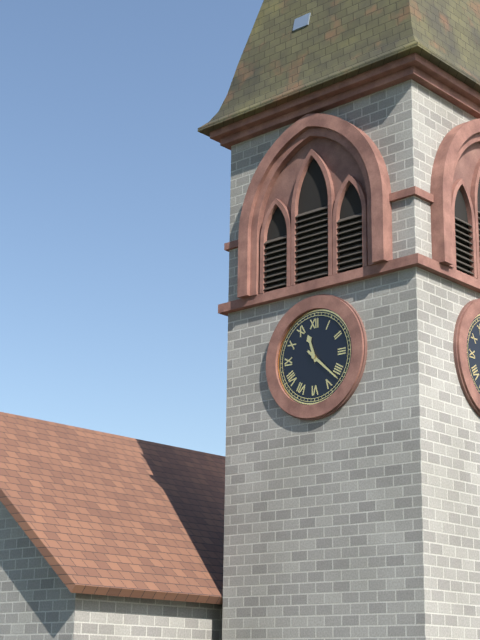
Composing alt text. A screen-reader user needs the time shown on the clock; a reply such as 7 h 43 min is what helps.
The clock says 11 h 22 min
